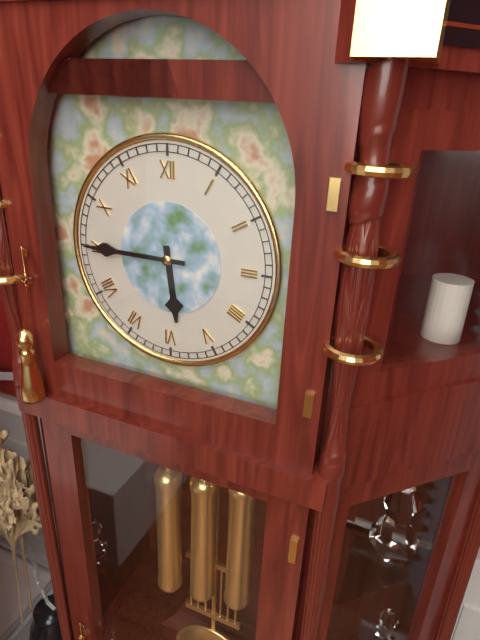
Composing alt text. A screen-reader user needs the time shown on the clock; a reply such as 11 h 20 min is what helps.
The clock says 5 h 45 min
